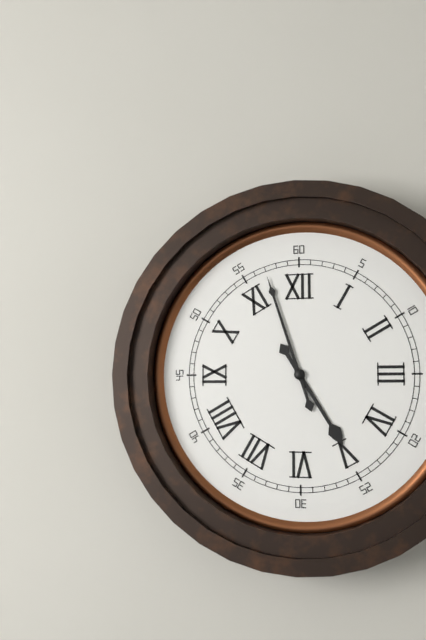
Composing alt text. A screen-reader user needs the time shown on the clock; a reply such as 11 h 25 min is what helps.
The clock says 4 h 57 min
